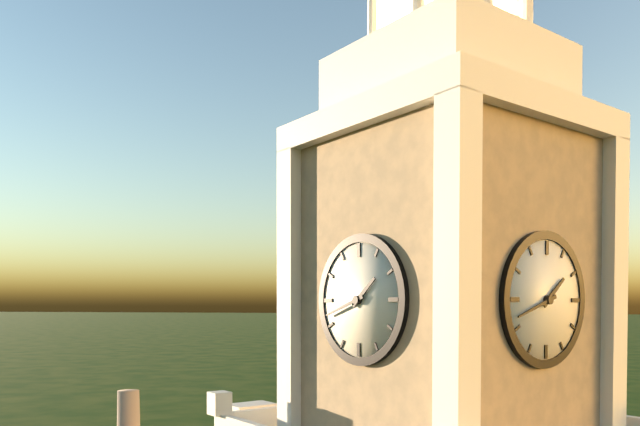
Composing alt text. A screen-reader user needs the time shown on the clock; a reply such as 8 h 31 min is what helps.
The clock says 1 h 42 min
